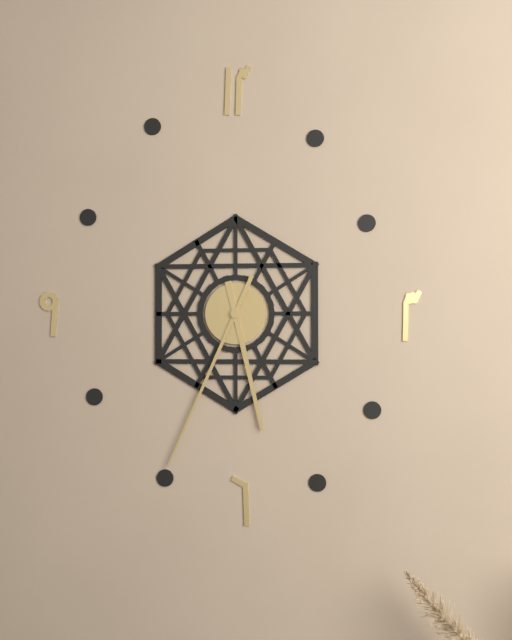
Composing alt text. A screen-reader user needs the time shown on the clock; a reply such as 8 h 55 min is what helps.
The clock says 5 h 34 min
